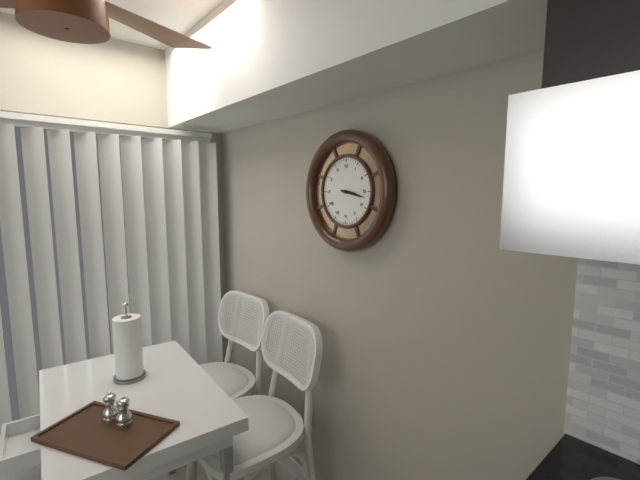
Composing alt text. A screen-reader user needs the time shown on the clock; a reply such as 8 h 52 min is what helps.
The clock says 3 h 17 min
